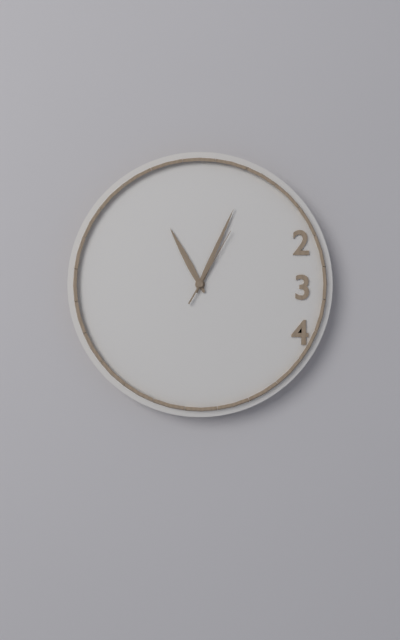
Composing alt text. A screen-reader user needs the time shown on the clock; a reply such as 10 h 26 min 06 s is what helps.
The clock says 11 h 04 min 05 s
